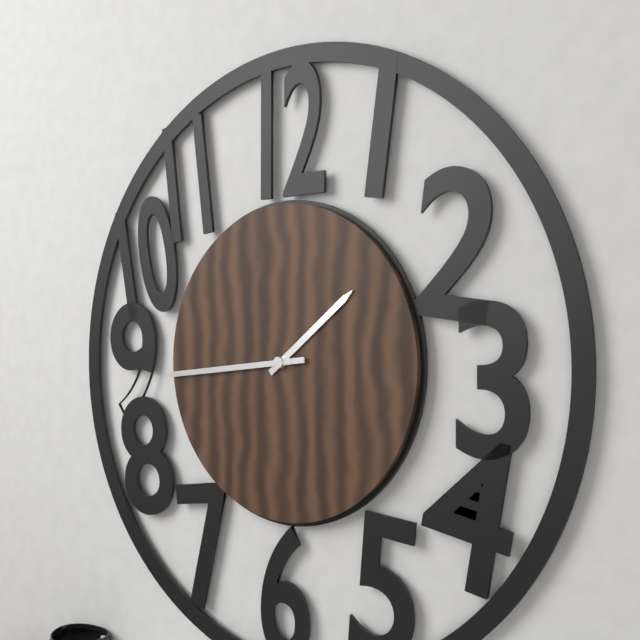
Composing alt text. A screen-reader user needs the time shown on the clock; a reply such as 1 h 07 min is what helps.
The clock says 1 h 44 min
